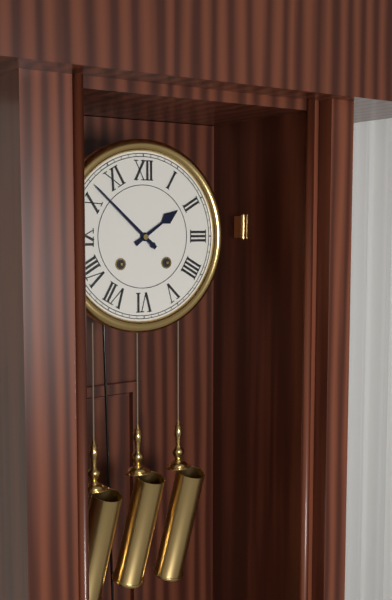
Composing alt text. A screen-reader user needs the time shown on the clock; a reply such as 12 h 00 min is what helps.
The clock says 1 h 52 min
